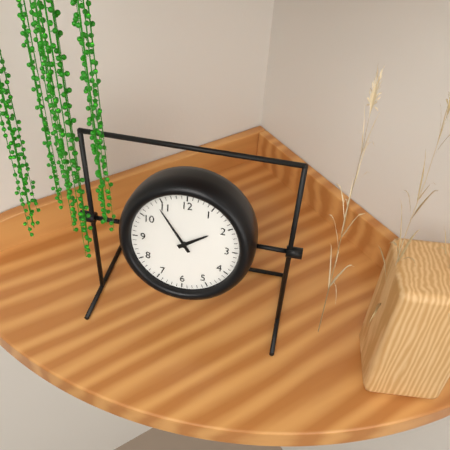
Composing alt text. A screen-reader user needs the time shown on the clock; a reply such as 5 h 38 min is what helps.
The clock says 1 h 54 min
